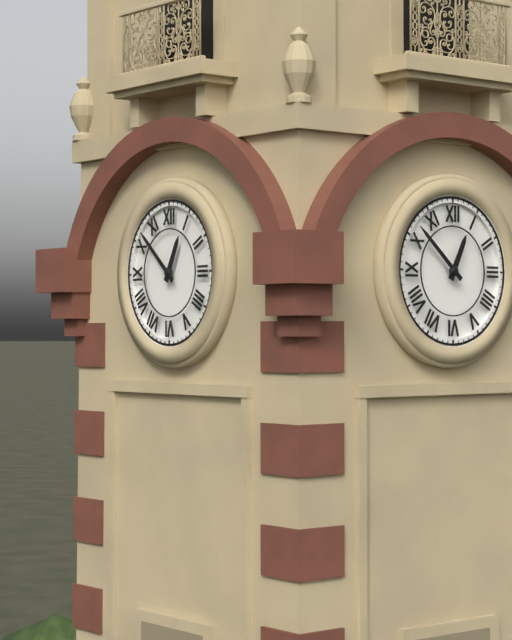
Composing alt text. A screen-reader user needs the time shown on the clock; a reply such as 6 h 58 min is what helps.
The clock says 12 h 52 min
